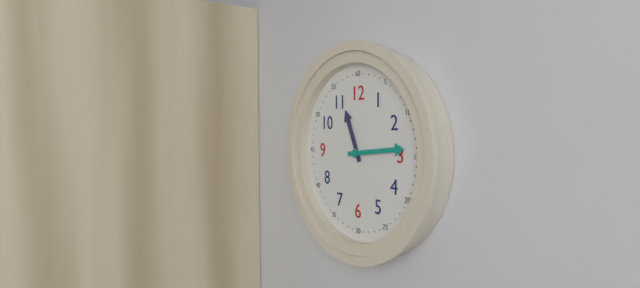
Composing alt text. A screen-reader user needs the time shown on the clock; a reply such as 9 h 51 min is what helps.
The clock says 11 h 14 min
